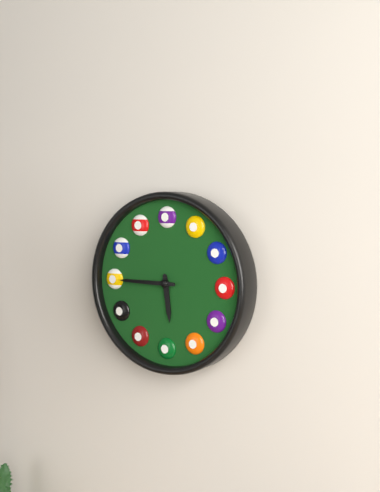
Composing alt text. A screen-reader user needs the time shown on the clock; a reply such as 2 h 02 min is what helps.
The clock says 5 h 45 min
